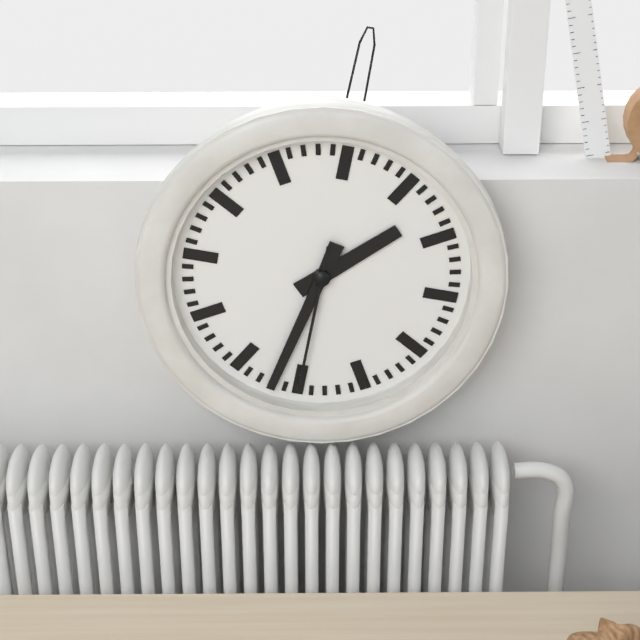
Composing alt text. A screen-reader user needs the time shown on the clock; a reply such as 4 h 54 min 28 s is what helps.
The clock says 1 h 32 min 30 s
